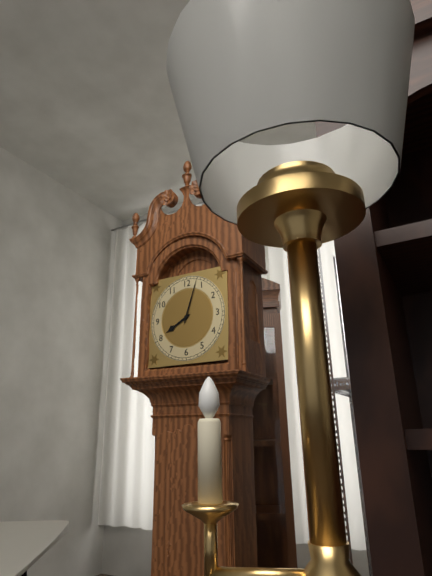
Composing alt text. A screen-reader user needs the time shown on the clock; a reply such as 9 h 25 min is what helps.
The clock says 8 h 03 min
